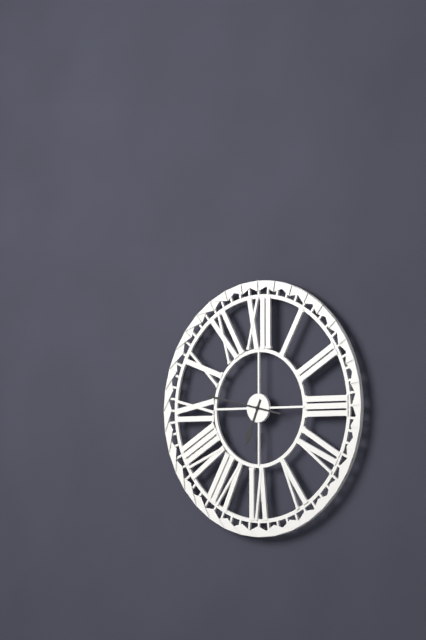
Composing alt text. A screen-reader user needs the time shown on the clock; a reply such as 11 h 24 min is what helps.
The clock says 6 h 47 min
